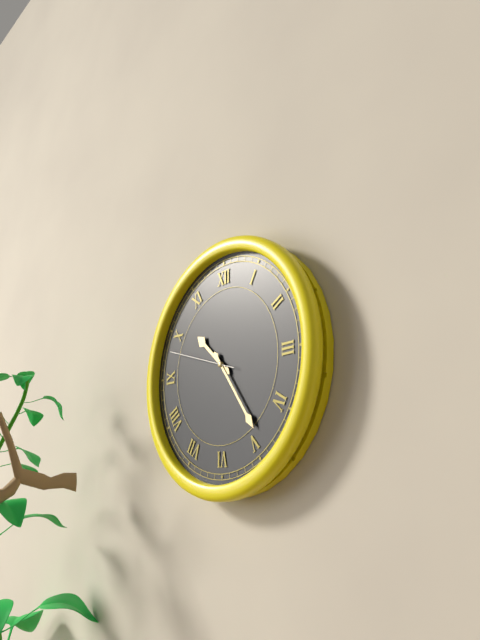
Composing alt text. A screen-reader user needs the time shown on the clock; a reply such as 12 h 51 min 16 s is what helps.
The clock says 10 h 24 min 48 s
